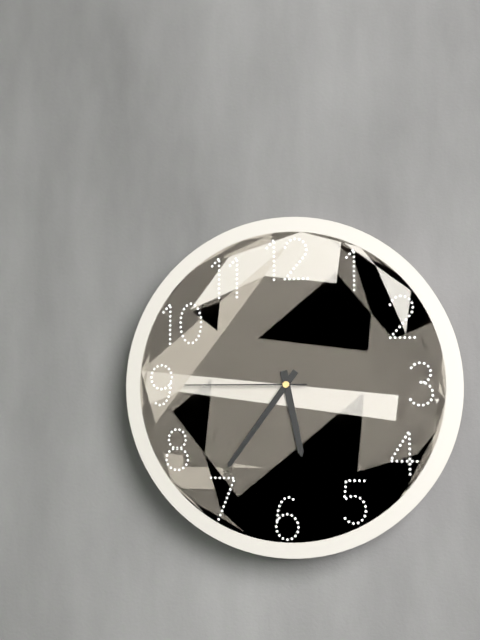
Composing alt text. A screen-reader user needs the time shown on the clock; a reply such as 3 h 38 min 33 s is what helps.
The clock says 5 h 36 min 45 s
